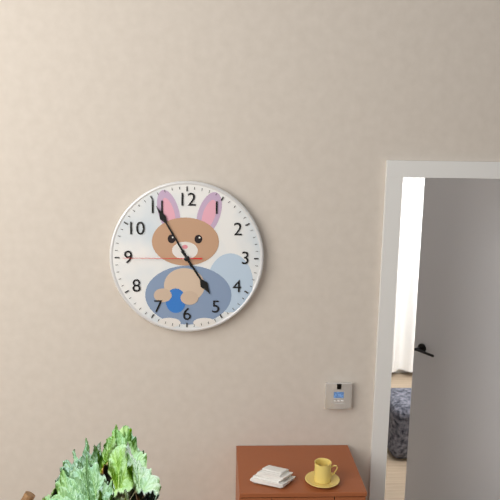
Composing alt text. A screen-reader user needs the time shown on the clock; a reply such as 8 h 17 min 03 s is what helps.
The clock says 4 h 55 min 45 s
